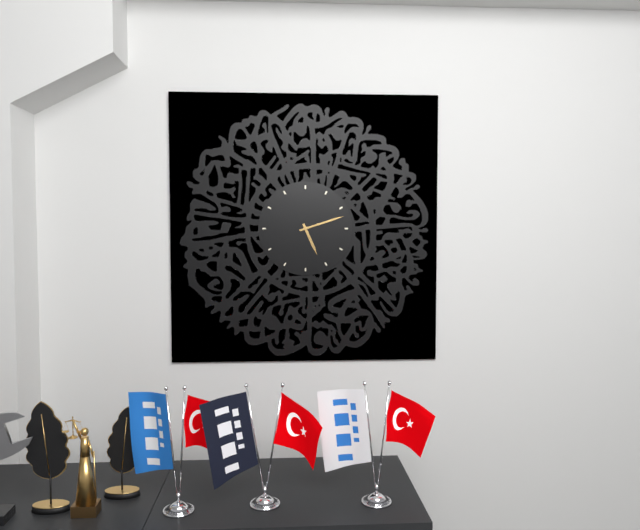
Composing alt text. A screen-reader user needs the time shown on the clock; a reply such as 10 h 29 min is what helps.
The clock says 5 h 12 min
